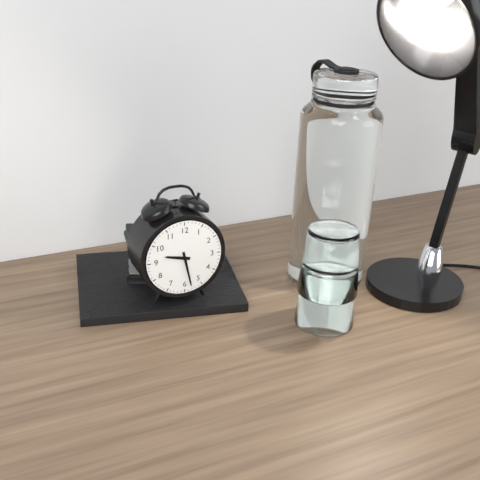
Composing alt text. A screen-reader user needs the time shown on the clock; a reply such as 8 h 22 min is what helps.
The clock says 9 h 28 min
